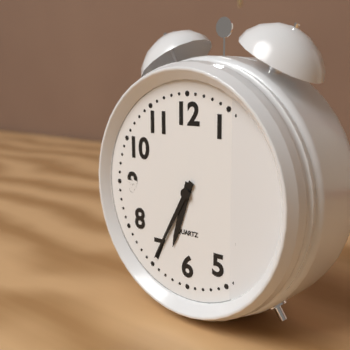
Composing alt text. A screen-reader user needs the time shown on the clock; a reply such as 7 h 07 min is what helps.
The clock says 6 h 35 min
